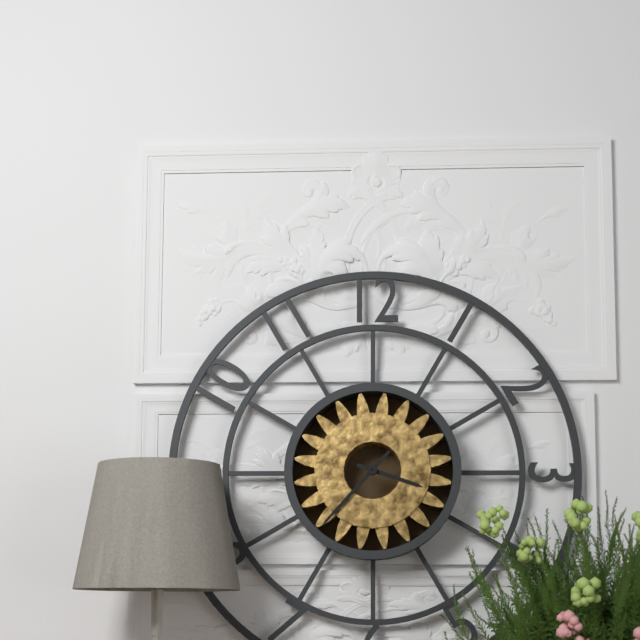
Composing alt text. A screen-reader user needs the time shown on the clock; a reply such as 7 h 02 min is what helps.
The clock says 3 h 37 min
